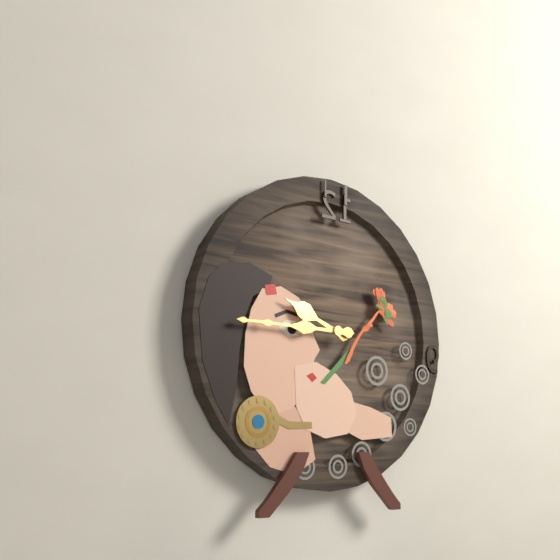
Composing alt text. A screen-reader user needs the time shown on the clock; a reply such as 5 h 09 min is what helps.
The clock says 9 h 45 min
